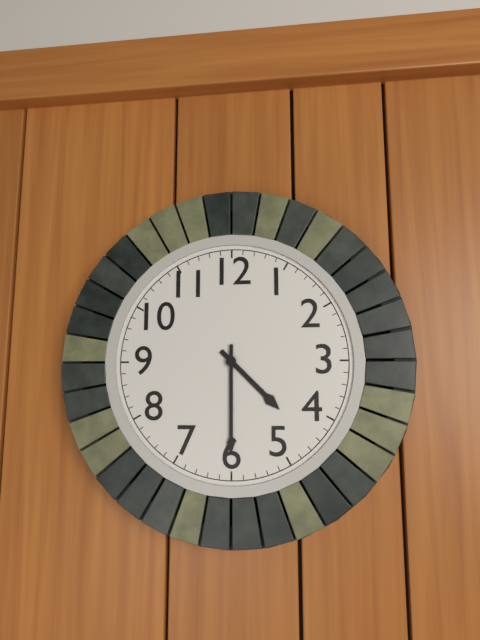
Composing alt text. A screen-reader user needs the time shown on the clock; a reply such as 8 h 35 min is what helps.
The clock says 4 h 30 min
